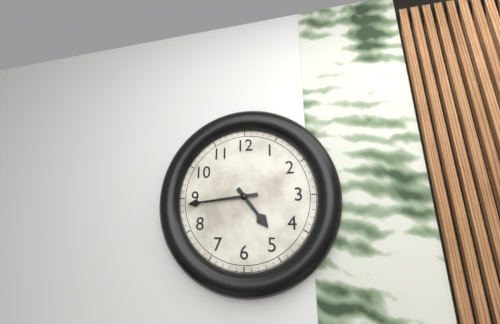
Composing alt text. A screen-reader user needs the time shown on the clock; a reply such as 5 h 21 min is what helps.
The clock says 4 h 44 min
